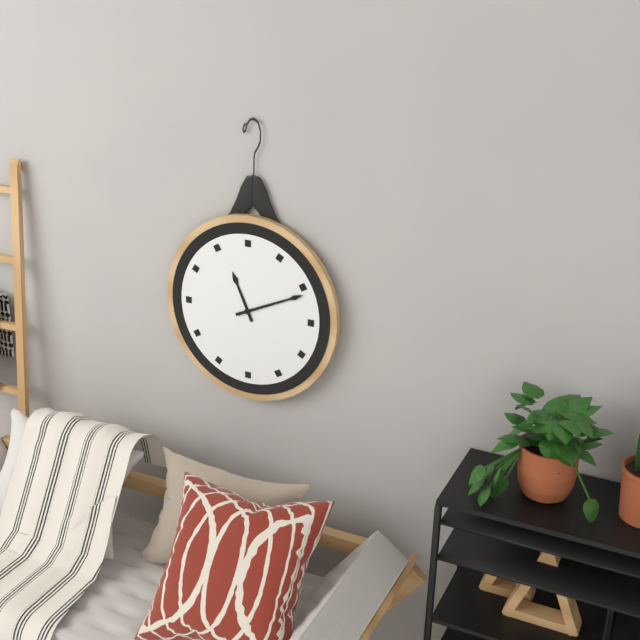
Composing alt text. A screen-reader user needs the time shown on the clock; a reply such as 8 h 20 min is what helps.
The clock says 11 h 11 min
